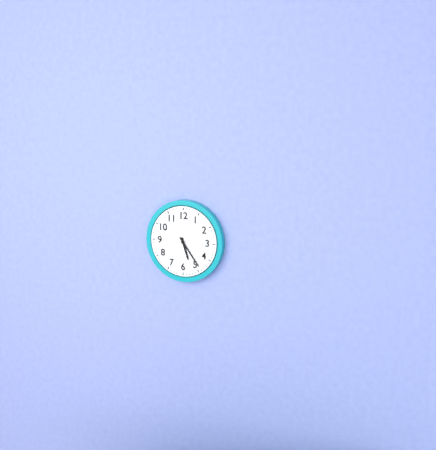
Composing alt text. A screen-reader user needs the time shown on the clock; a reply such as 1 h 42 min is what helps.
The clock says 5 h 24 min
